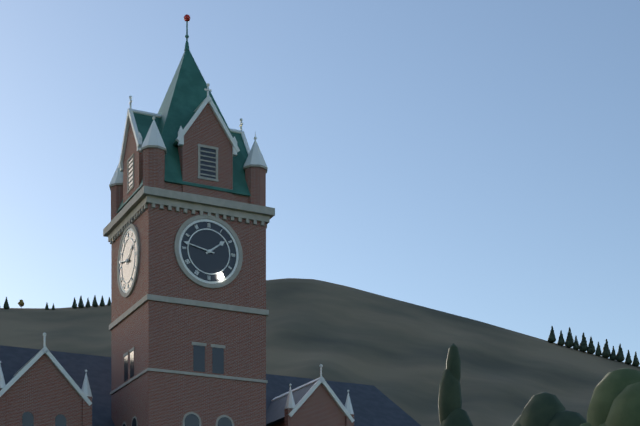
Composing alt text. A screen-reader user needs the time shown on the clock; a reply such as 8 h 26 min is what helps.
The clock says 1 h 47 min
